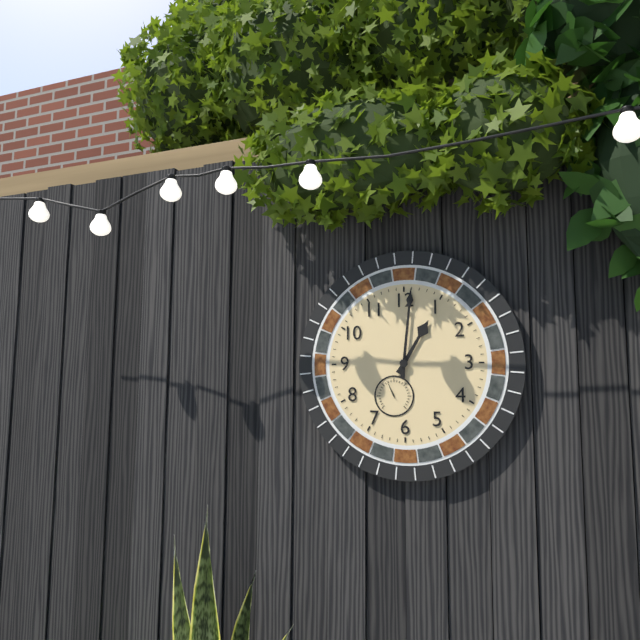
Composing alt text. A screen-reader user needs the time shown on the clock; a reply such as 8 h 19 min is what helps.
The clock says 1 h 01 min
